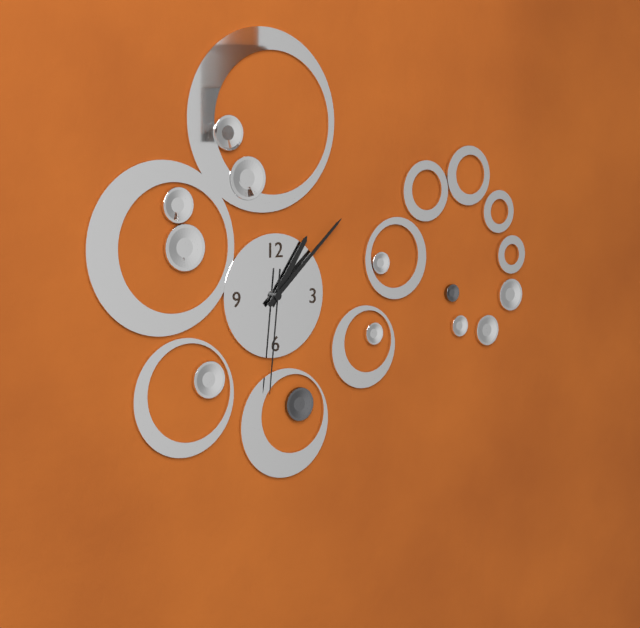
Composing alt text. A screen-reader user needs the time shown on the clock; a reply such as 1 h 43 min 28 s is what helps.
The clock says 1 h 08 min 31 s
